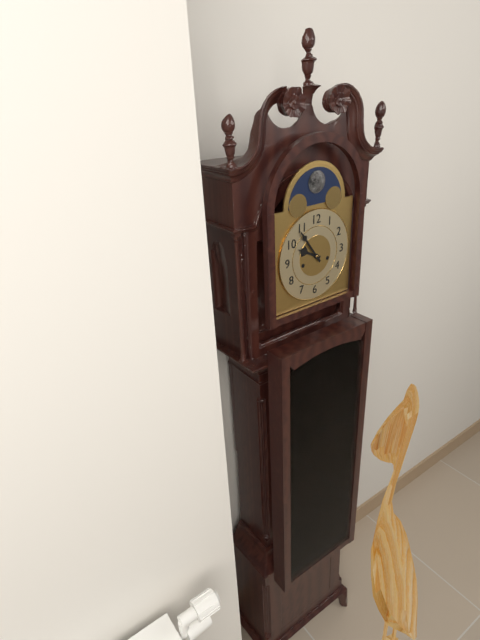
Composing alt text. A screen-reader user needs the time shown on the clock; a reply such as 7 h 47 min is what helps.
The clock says 9 h 54 min
